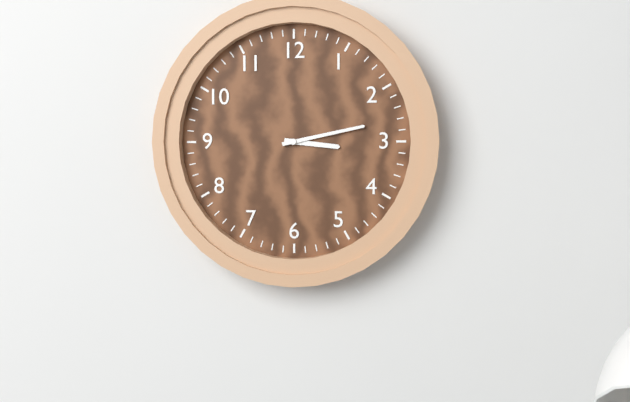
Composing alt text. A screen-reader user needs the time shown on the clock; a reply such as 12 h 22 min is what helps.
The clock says 3 h 13 min
